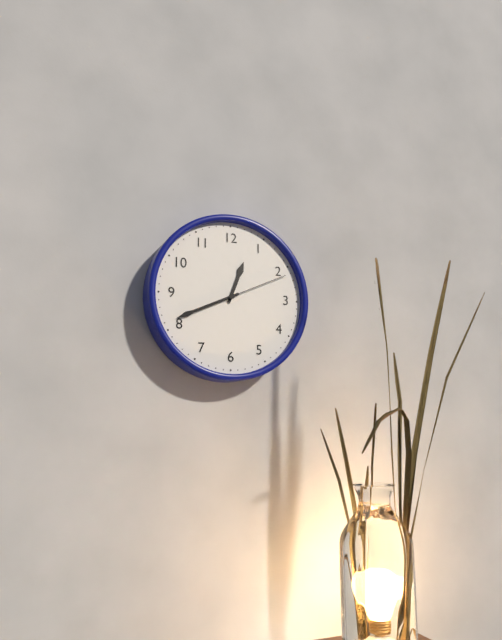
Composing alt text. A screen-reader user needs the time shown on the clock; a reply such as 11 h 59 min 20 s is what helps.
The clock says 12 h 41 min 11 s
